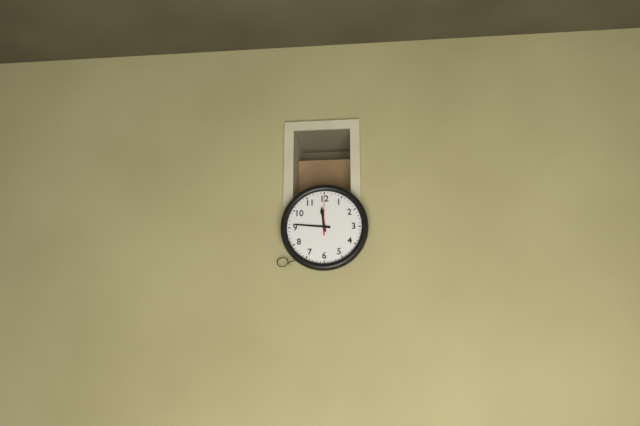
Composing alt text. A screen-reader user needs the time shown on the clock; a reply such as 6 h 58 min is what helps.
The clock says 11 h 46 min
